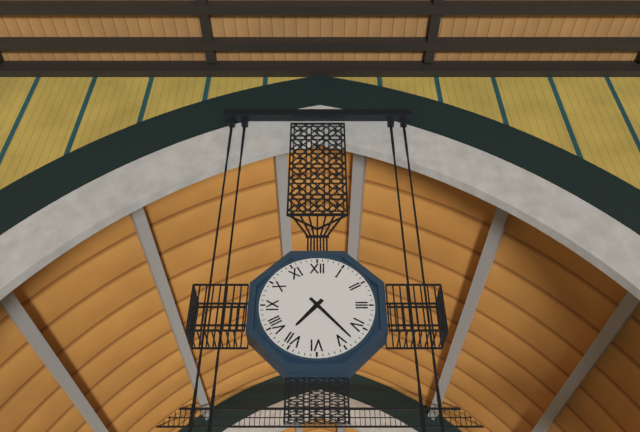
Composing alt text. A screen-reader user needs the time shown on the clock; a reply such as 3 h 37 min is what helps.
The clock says 7 h 23 min
